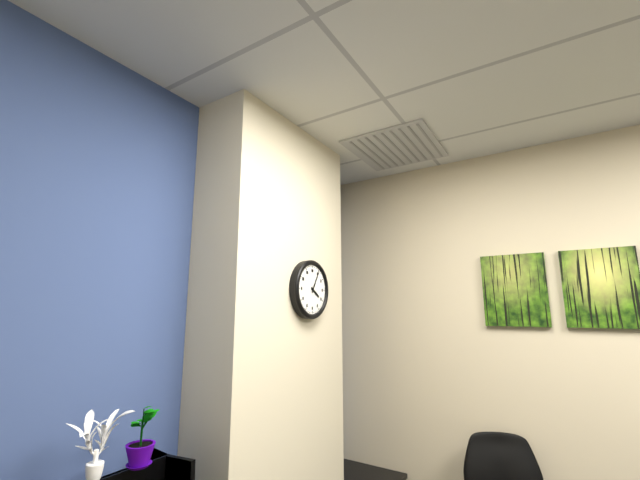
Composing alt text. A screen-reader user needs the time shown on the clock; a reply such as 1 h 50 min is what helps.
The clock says 4 h 05 min
